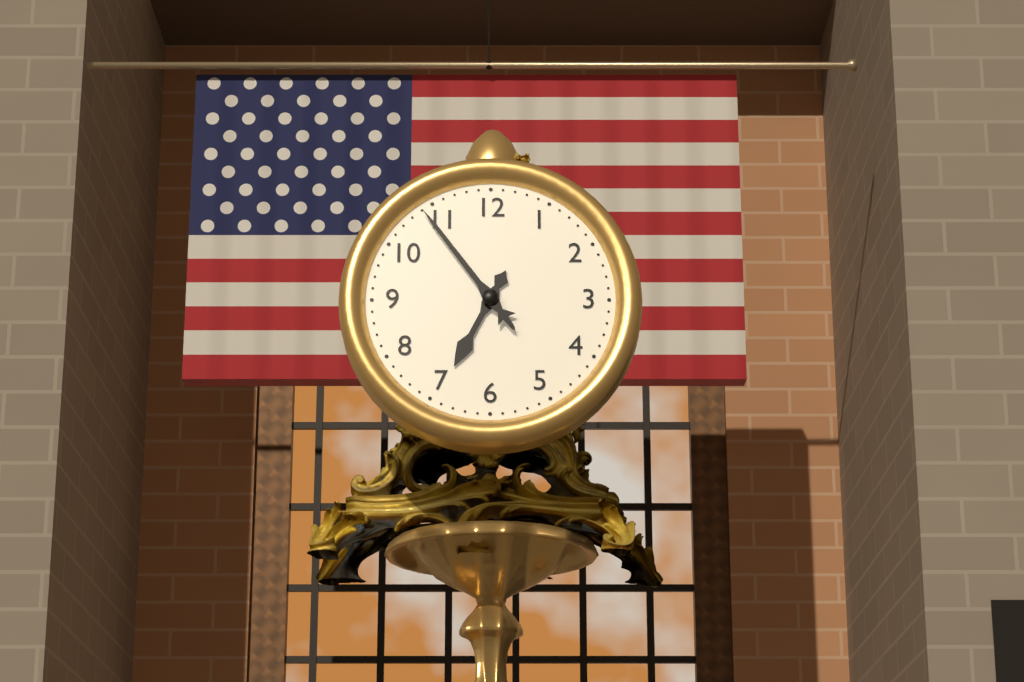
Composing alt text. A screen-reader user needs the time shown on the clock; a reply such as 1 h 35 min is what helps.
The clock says 6 h 54 min
